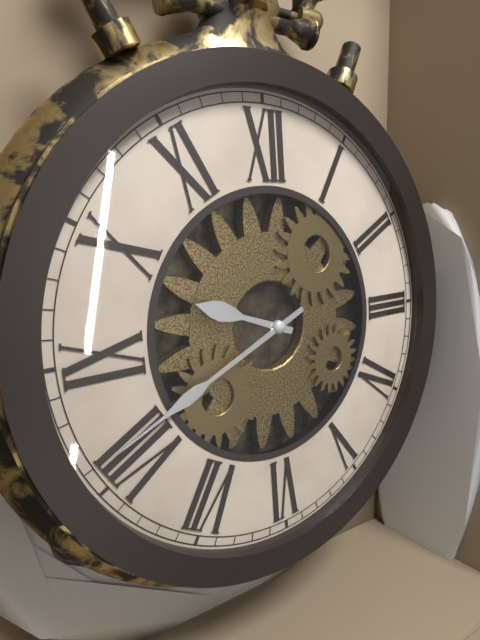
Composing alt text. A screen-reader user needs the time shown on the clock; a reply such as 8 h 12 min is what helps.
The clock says 9 h 41 min
